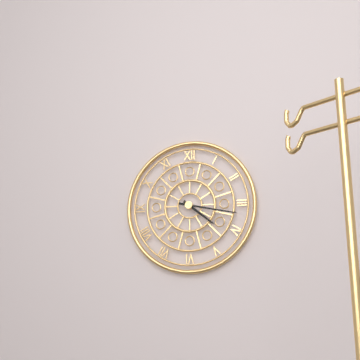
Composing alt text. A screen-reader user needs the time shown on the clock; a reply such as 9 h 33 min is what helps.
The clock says 4 h 17 min
